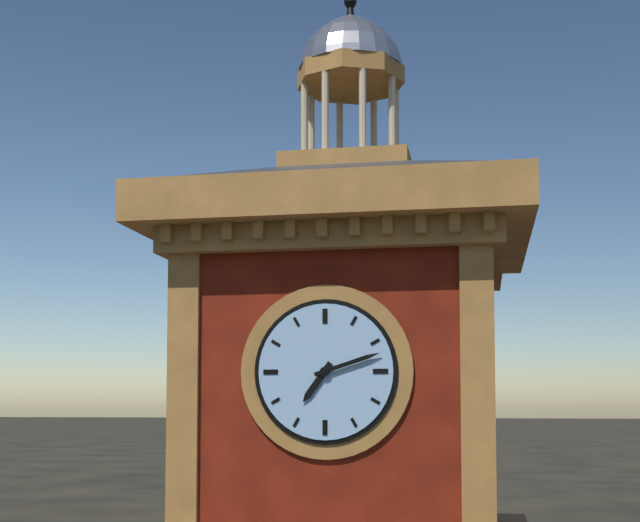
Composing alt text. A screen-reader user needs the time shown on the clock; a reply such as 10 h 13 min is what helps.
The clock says 7 h 12 min
